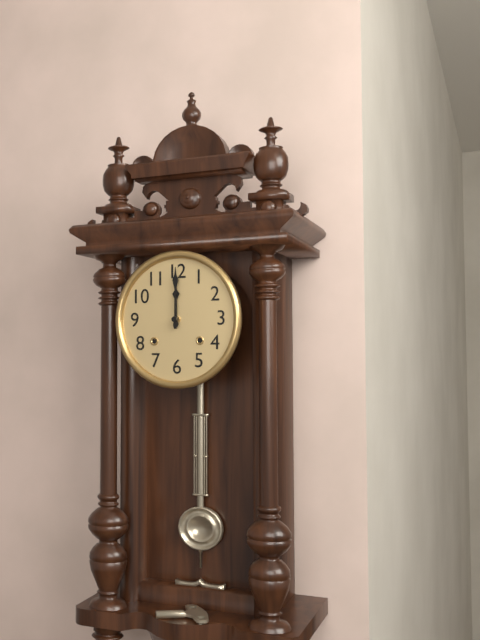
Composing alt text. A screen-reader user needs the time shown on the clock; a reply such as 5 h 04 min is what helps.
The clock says 12 h 00 min
